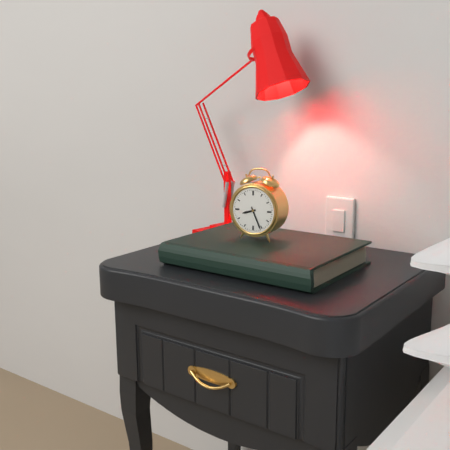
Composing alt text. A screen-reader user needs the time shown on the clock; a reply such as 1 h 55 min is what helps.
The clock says 8 h 26 min
